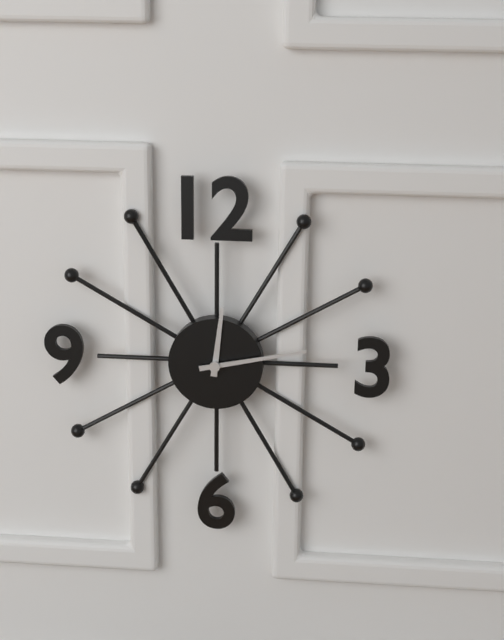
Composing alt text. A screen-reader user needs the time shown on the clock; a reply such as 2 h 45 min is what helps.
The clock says 12 h 13 min
